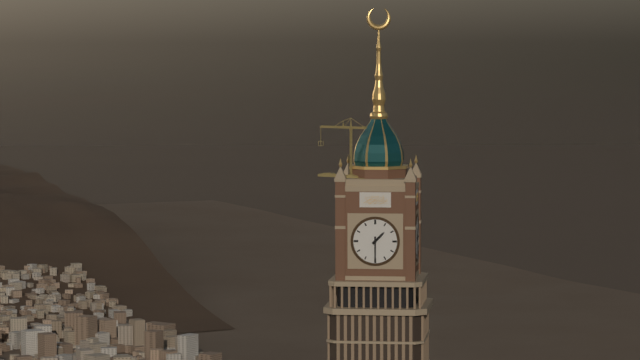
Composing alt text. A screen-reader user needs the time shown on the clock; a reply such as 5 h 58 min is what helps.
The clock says 1 h 30 min
